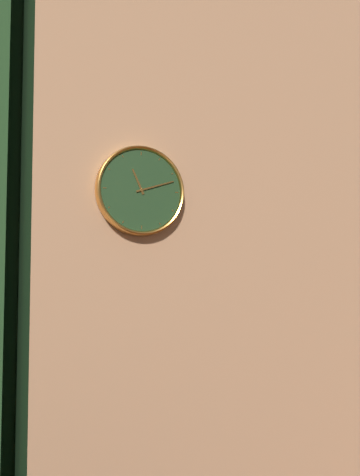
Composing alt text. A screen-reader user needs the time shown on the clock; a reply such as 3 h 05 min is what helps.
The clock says 11 h 12 min
